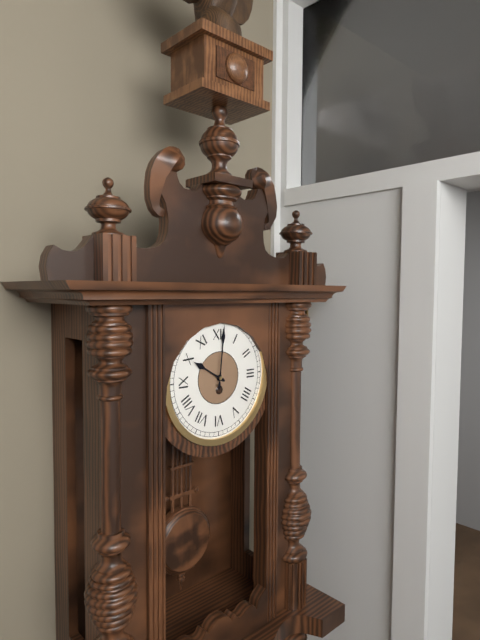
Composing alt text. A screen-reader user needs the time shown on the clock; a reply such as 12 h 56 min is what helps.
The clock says 10 h 01 min
